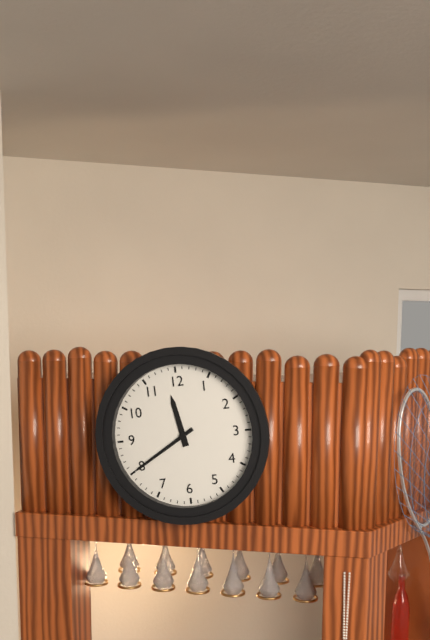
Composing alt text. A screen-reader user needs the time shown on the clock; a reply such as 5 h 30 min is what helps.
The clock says 11 h 40 min
